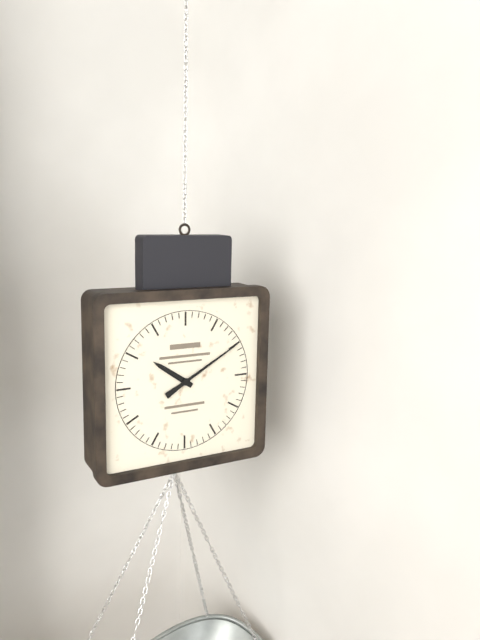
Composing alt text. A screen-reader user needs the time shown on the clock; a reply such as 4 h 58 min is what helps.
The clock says 10 h 10 min
